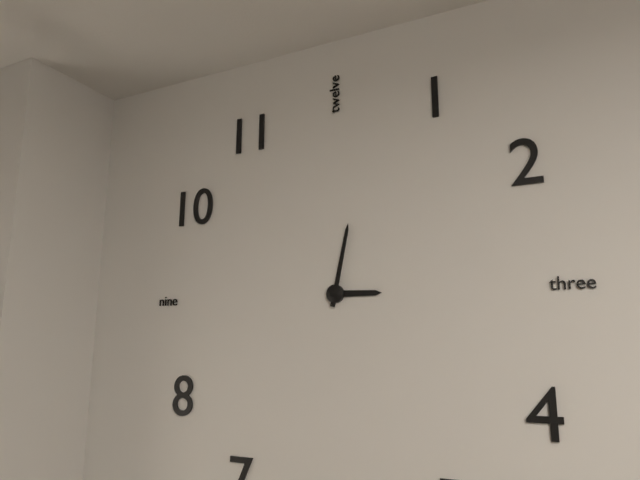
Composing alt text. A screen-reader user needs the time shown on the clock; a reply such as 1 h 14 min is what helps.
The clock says 3 h 02 min
